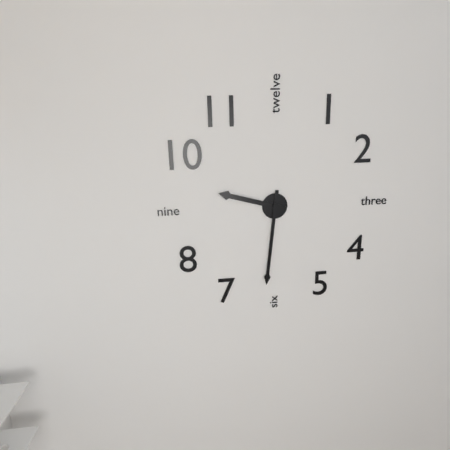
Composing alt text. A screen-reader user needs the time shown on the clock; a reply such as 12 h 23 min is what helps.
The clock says 9 h 31 min
